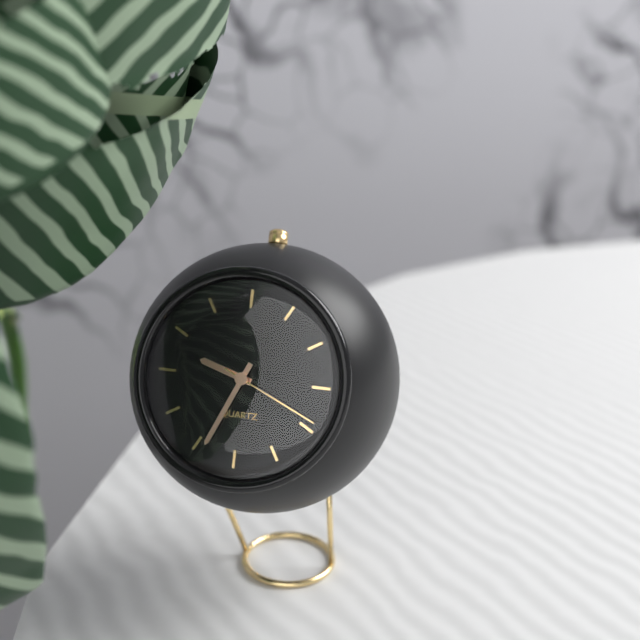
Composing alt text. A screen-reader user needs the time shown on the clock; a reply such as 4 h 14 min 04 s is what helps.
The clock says 9 h 34 min 19 s
